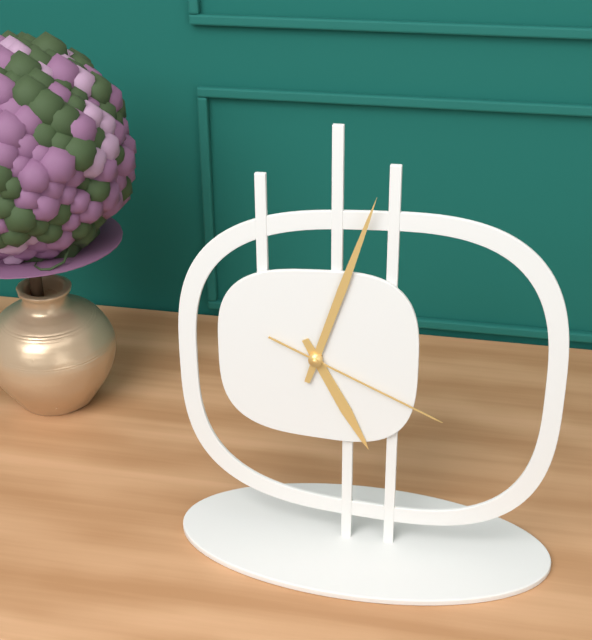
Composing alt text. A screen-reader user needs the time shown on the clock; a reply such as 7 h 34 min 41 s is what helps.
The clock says 5 h 03 min 19 s
